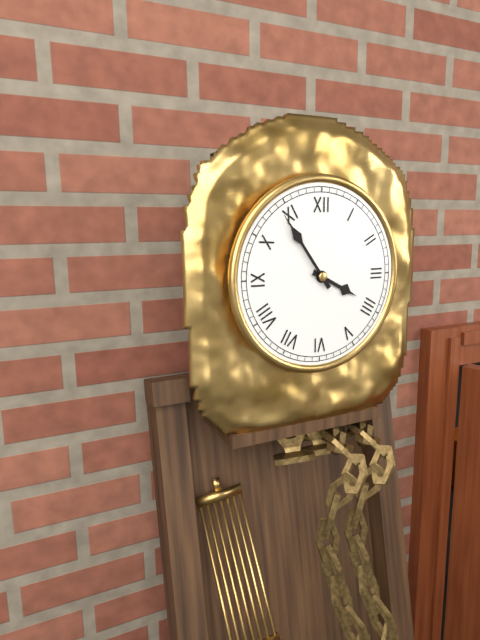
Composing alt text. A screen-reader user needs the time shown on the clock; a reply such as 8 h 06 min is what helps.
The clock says 3 h 54 min
